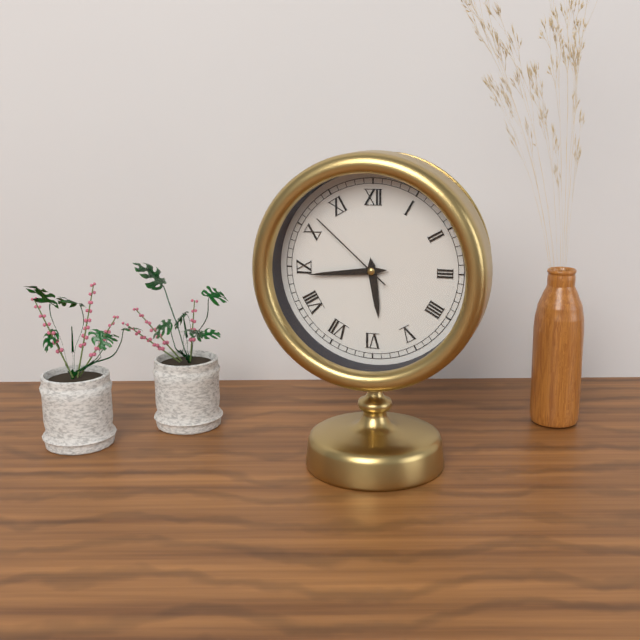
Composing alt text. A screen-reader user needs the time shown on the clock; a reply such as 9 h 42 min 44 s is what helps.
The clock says 5 h 44 min 52 s
